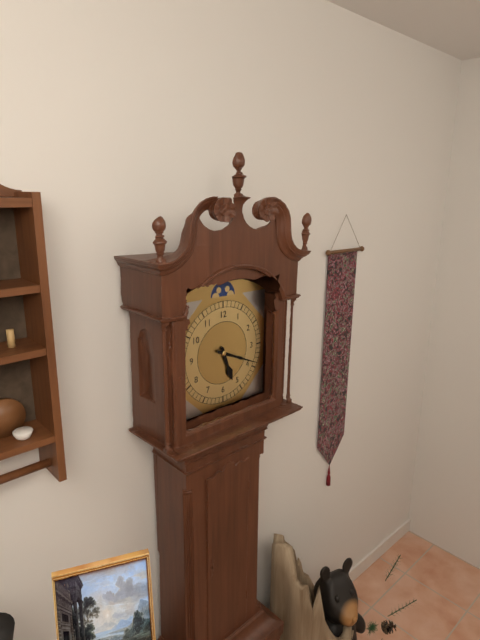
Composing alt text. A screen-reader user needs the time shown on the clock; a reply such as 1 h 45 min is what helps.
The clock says 5 h 19 min
